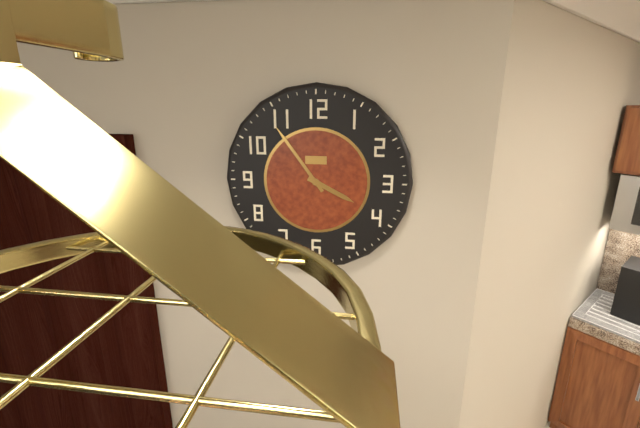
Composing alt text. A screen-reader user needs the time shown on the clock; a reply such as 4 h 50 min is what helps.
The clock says 3 h 54 min
